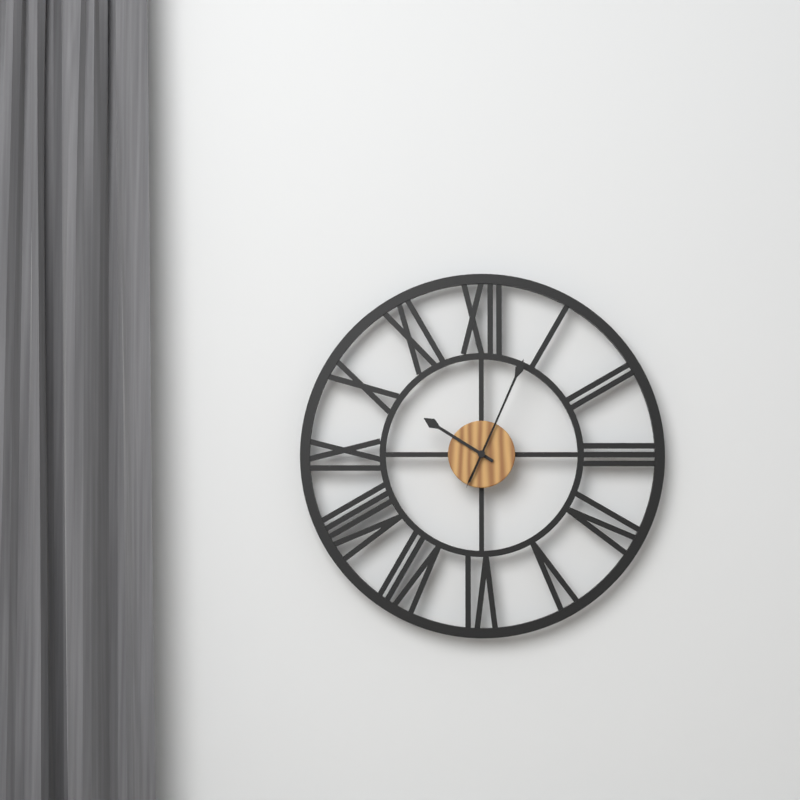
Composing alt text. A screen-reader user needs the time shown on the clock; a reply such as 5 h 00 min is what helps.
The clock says 10 h 04 min
